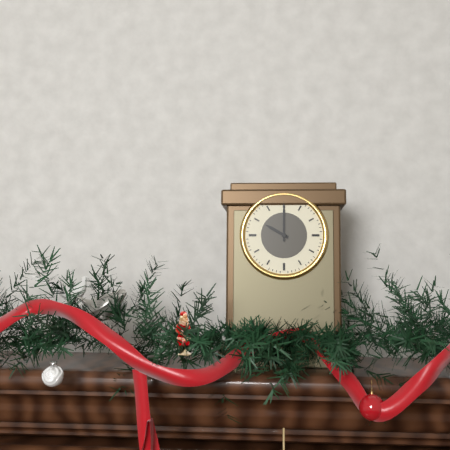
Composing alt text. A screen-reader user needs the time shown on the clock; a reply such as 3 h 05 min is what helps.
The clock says 10 h 00 min
